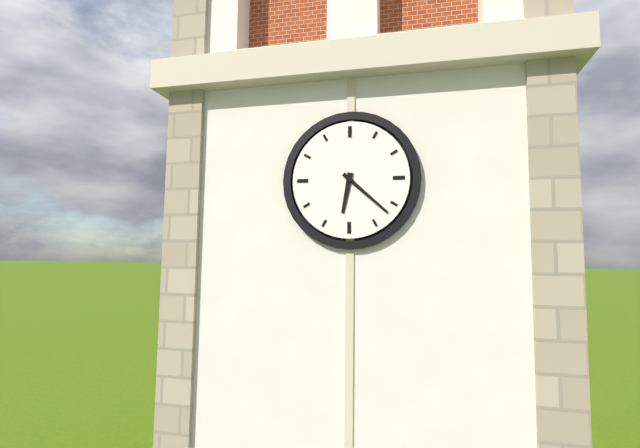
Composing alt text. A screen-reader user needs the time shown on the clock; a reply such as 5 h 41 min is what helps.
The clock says 6 h 22 min
